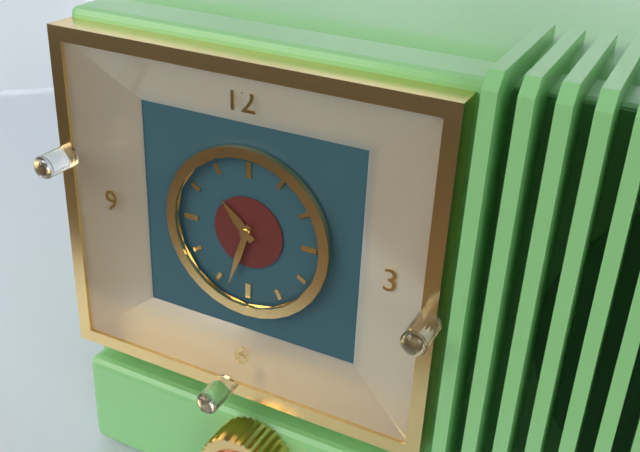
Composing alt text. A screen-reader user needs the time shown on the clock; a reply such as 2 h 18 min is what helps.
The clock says 10 h 33 min
